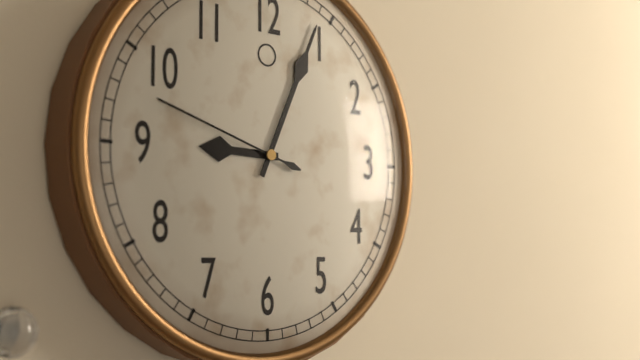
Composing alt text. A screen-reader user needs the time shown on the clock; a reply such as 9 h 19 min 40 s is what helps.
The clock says 9 h 04 min 48 s
